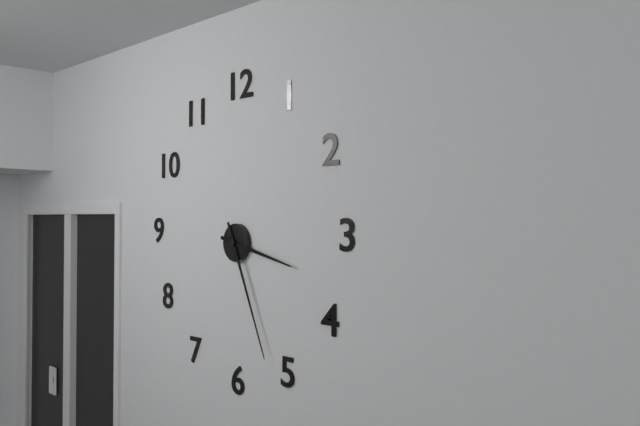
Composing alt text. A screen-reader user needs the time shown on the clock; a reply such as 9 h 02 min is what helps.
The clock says 3 h 26 min
